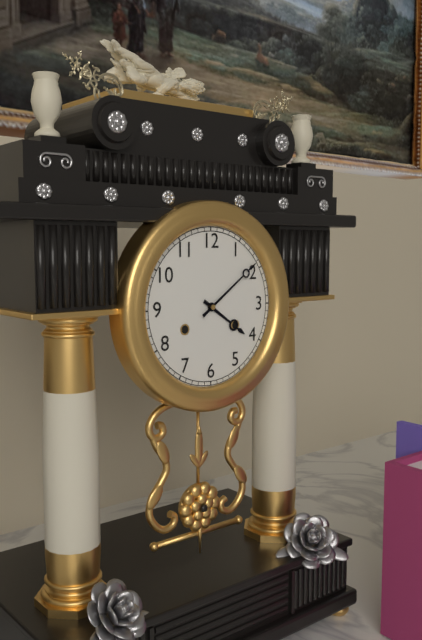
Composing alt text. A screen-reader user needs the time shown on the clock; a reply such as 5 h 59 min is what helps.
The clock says 4 h 09 min
